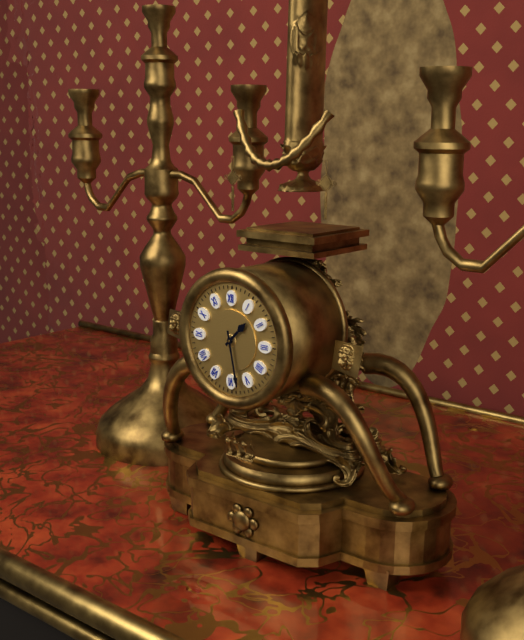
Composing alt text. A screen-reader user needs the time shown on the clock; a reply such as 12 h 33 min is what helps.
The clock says 1 h 28 min
